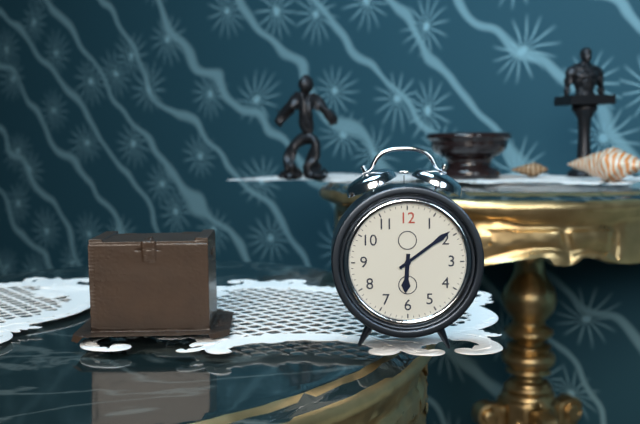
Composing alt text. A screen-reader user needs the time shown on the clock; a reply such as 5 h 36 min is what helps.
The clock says 6 h 09 min
